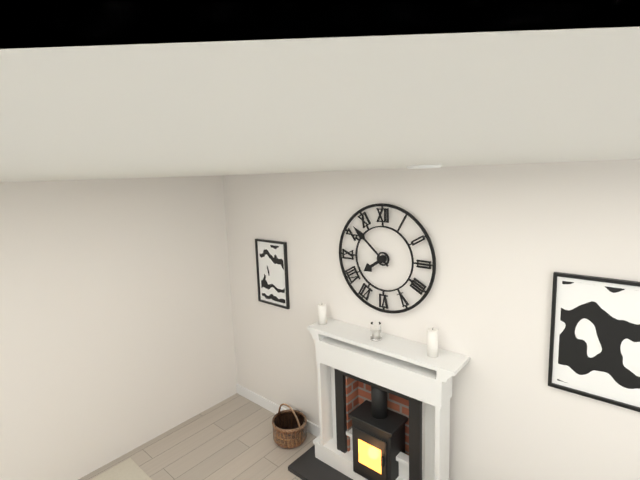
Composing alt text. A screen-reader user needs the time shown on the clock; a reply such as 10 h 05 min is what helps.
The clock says 7 h 52 min
